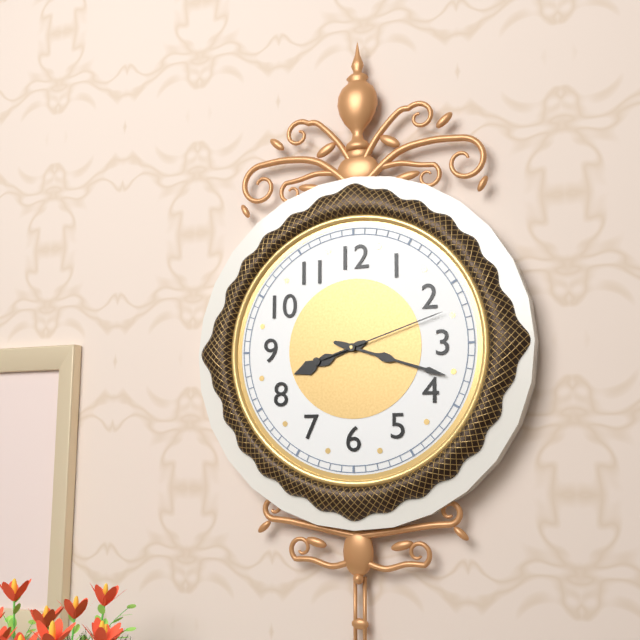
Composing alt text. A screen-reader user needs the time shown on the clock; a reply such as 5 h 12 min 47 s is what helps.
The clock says 8 h 18 min 12 s
